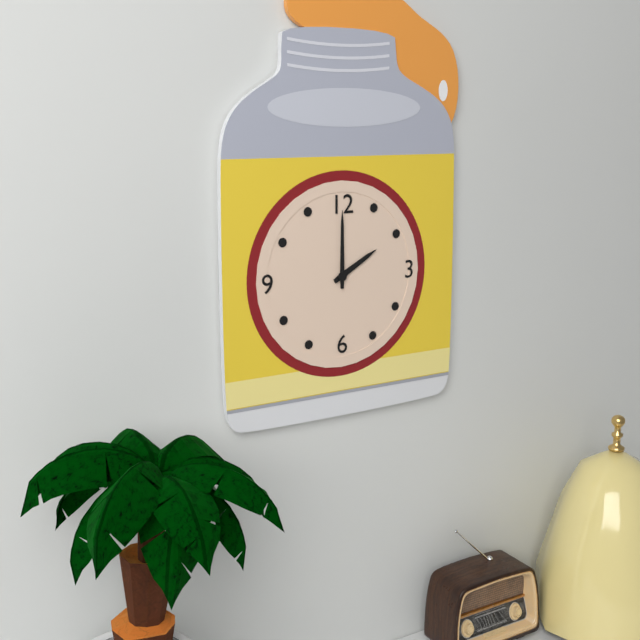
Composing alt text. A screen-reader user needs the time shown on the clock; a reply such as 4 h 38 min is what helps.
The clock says 2 h 00 min
